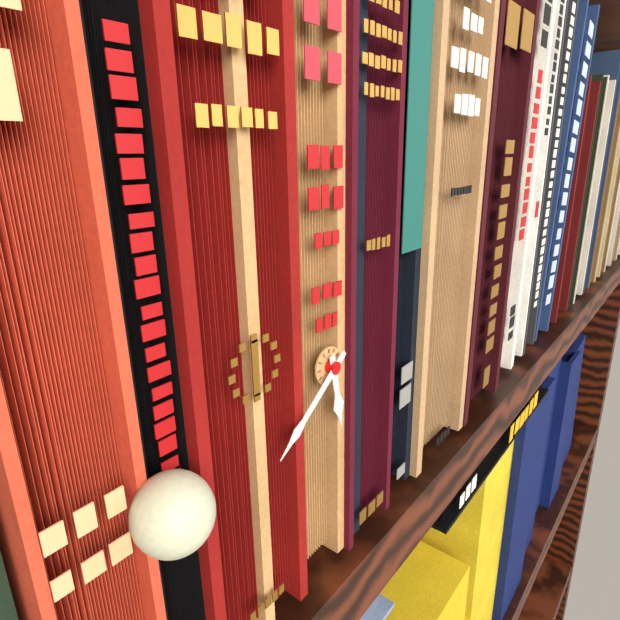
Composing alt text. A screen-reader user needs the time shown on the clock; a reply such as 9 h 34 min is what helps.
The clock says 5 h 39 min
